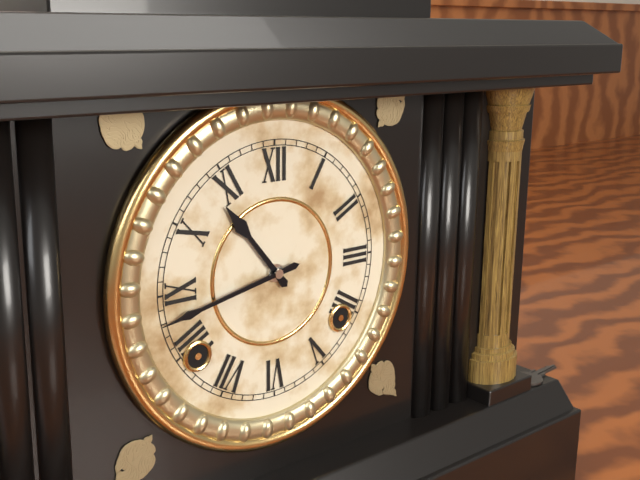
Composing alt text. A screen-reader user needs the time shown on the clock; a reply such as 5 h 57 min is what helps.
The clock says 10 h 43 min
